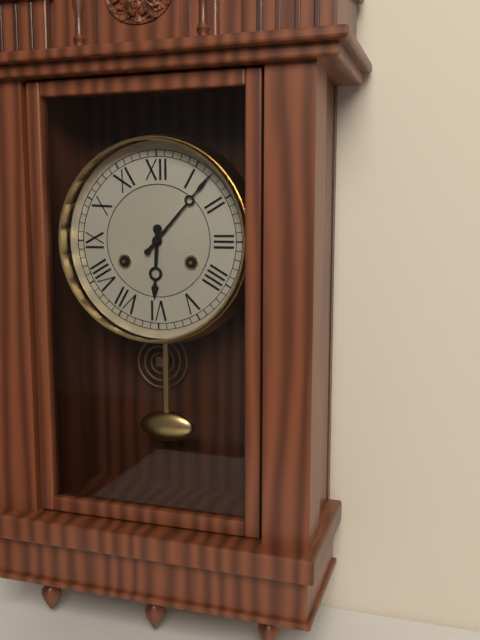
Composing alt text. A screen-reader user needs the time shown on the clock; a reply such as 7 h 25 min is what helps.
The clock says 6 h 07 min
